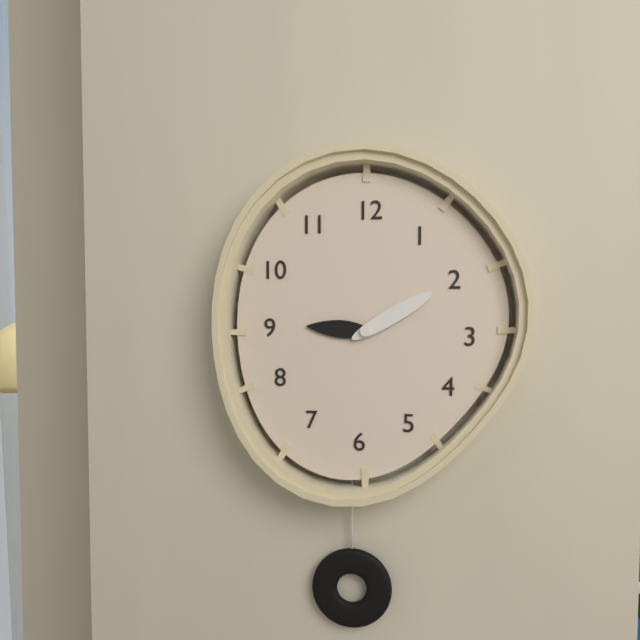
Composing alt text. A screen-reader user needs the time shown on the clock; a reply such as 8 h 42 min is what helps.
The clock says 9 h 10 min
